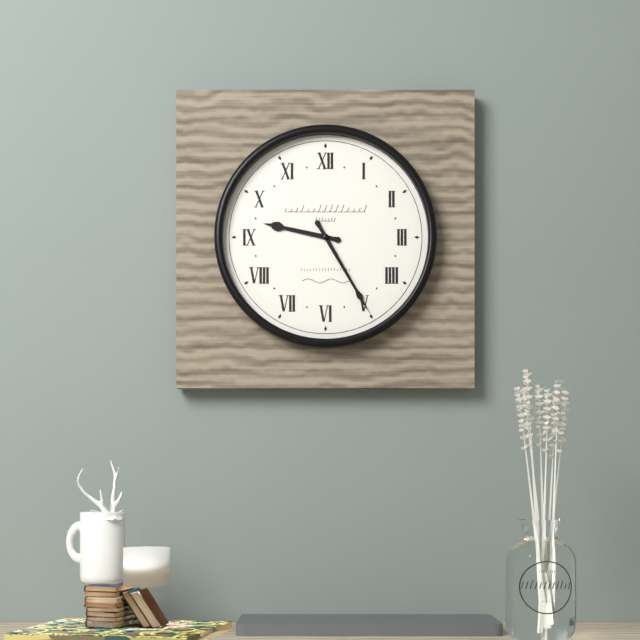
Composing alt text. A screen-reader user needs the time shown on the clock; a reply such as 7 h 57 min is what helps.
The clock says 9 h 25 min
